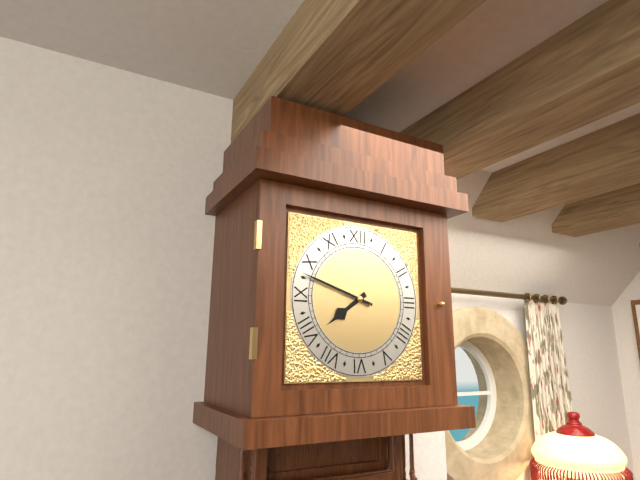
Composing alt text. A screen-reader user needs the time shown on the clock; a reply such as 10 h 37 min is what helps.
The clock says 7 h 48 min
